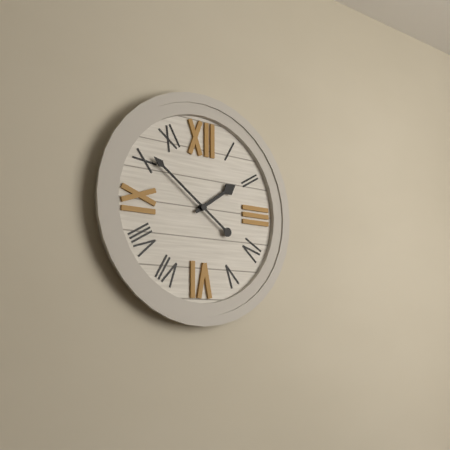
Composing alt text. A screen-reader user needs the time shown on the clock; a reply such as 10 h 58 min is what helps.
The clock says 1 h 51 min
